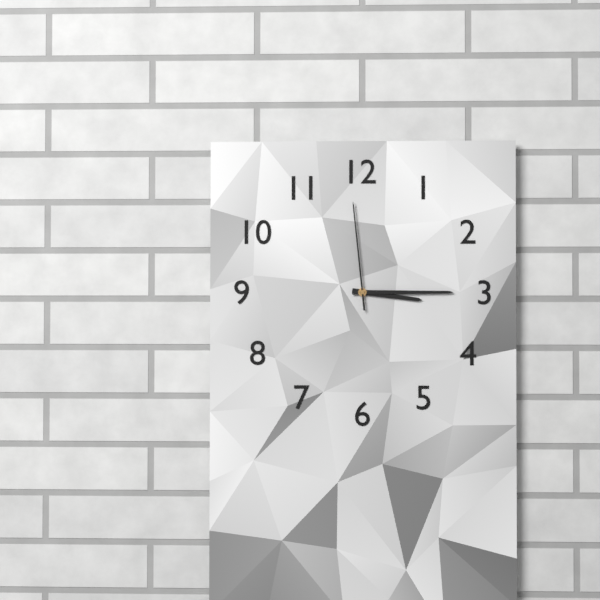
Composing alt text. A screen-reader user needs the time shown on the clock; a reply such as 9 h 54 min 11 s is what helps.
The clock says 3 h 15 min 59 s
